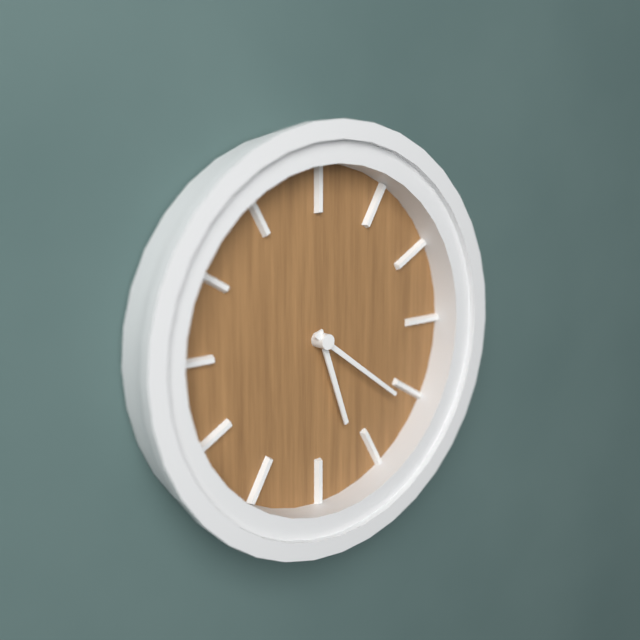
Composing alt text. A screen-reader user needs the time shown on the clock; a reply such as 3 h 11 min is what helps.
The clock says 5 h 21 min
